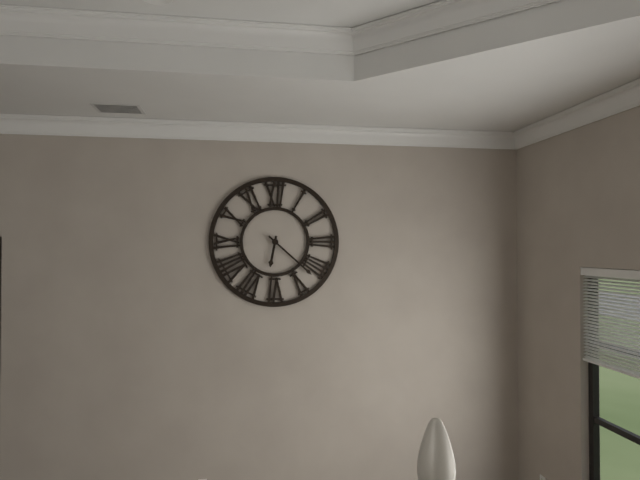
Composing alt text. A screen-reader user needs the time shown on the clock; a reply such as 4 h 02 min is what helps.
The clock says 6 h 22 min
